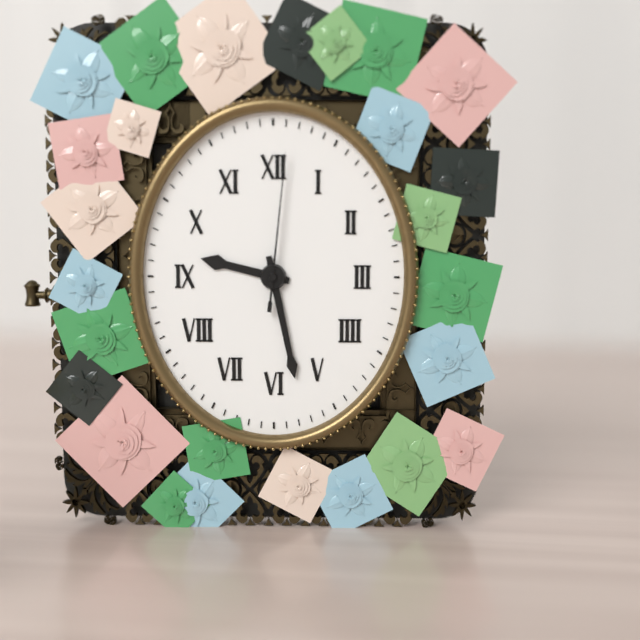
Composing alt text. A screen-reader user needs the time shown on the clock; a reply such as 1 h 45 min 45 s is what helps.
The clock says 9 h 28 min 01 s
